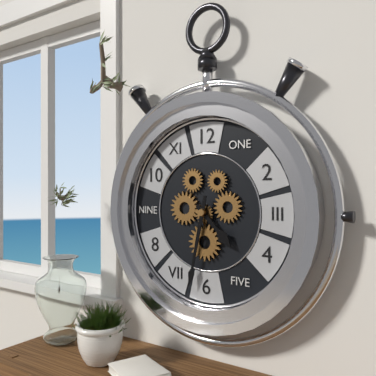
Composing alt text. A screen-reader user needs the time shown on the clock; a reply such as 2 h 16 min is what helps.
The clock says 4 h 32 min
